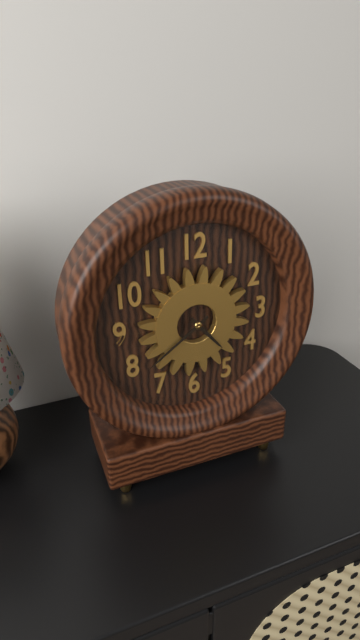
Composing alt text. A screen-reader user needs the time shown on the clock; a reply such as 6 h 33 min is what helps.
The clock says 4 h 39 min
